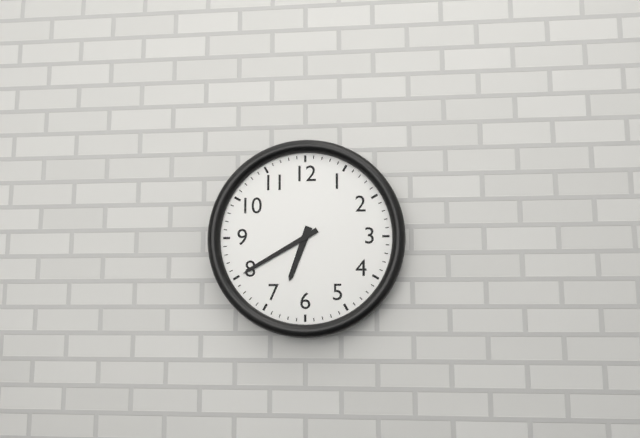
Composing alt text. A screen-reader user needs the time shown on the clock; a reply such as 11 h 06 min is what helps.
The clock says 6 h 40 min
